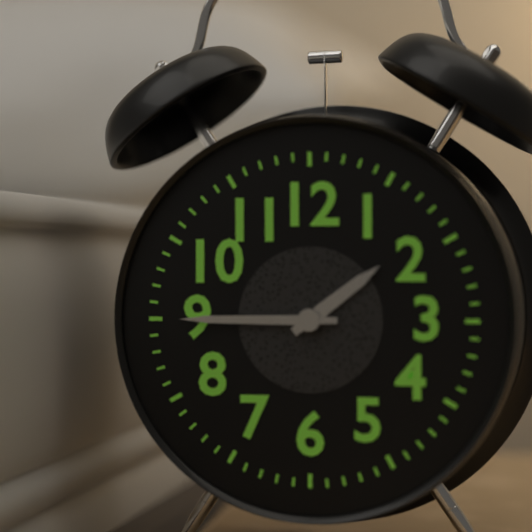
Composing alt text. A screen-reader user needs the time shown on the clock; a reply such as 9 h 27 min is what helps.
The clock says 1 h 45 min
